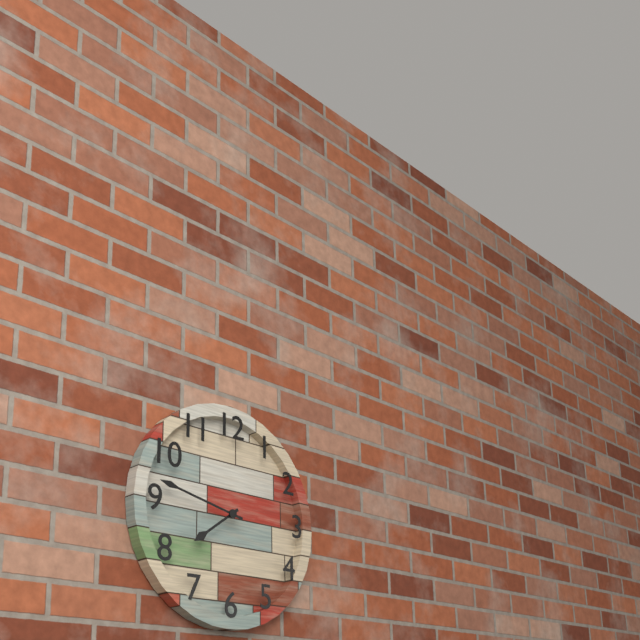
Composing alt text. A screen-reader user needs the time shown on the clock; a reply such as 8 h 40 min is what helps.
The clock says 7 h 47 min
